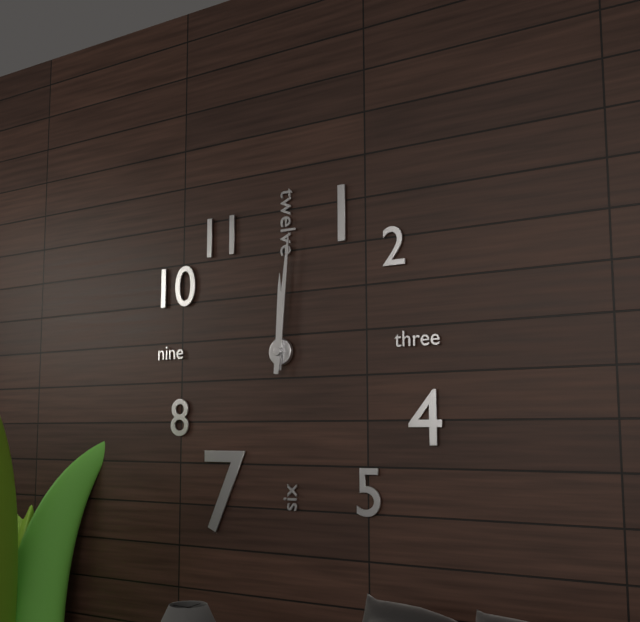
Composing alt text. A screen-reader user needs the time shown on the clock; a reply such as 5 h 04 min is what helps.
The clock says 12 h 01 min
